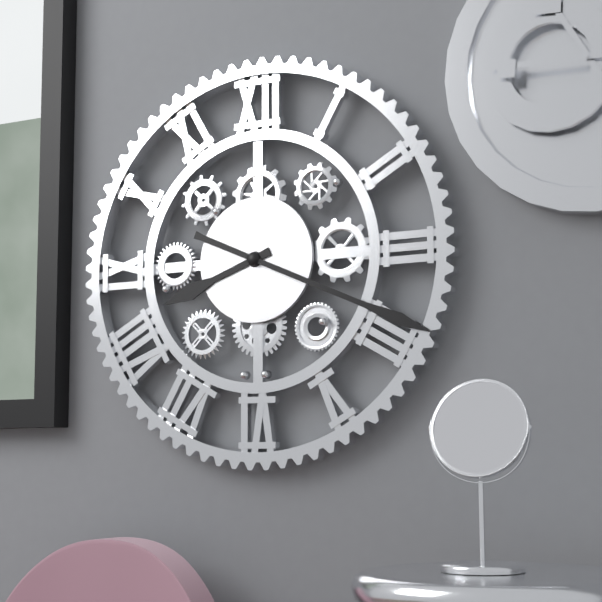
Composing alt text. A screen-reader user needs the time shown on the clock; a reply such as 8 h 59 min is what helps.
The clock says 8 h 19 min
